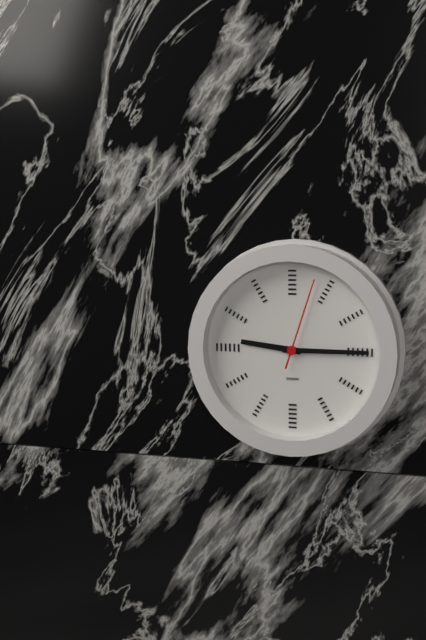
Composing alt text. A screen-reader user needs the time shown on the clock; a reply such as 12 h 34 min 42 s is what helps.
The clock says 9 h 15 min 03 s
